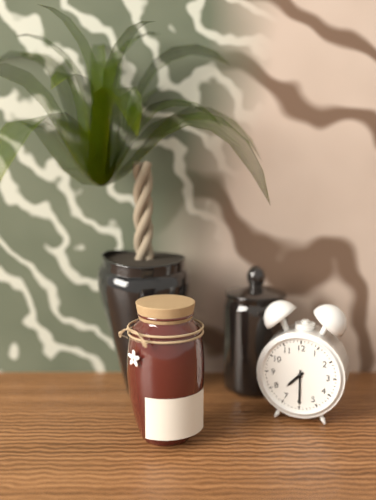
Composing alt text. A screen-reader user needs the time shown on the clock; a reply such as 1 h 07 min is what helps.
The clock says 7 h 30 min
